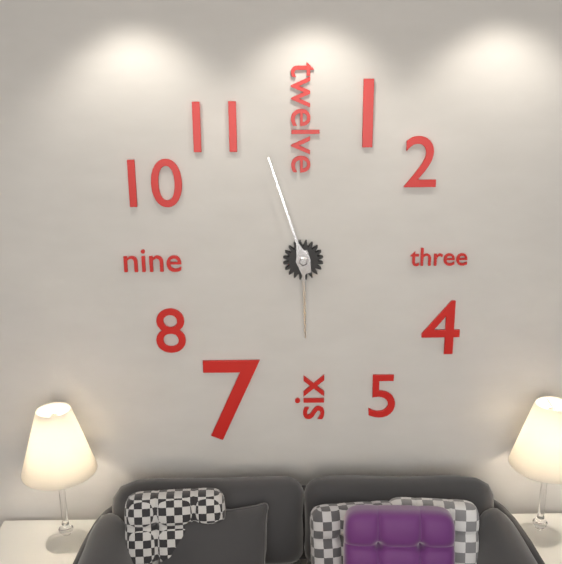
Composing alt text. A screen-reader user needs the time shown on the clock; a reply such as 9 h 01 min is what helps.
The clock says 5 h 57 min
